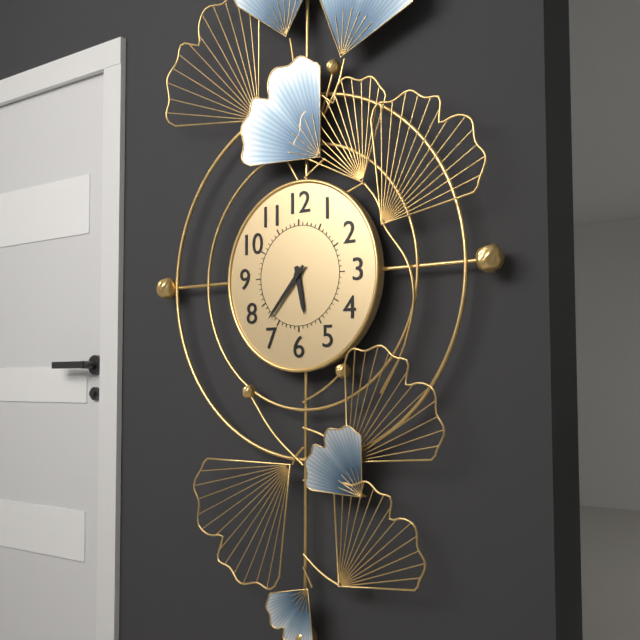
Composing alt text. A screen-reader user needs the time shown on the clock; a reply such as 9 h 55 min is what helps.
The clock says 5 h 37 min
